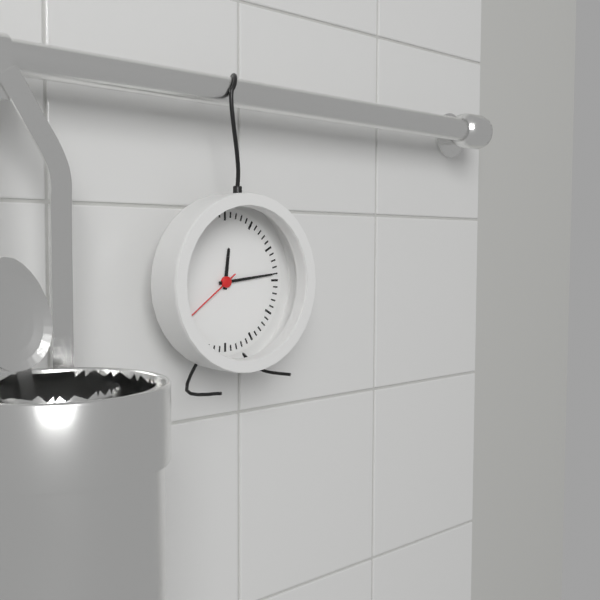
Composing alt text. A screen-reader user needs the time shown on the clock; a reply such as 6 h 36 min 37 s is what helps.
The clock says 12 h 14 min 39 s
